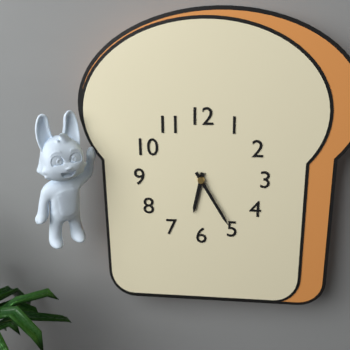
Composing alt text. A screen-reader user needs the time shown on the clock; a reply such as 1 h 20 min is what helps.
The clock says 6 h 25 min
